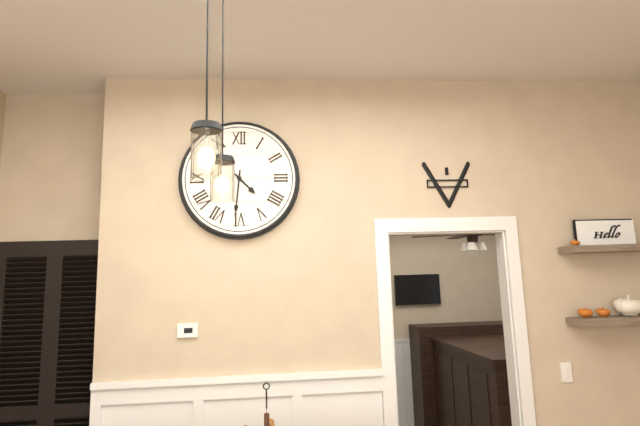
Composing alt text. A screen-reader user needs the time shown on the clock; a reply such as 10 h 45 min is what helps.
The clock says 4 h 31 min
